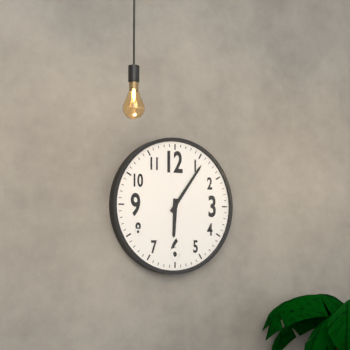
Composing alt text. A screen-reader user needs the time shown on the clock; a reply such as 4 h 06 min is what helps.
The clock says 6 h 06 min
